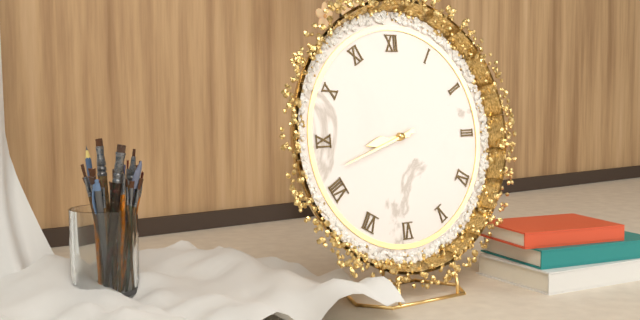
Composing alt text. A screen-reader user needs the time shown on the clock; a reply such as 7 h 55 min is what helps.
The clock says 8 h 42 min
